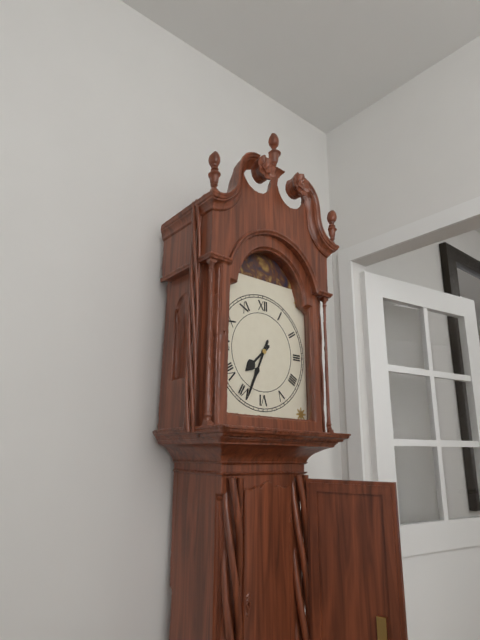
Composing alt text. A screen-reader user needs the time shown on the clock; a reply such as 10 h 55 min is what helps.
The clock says 7 h 34 min
